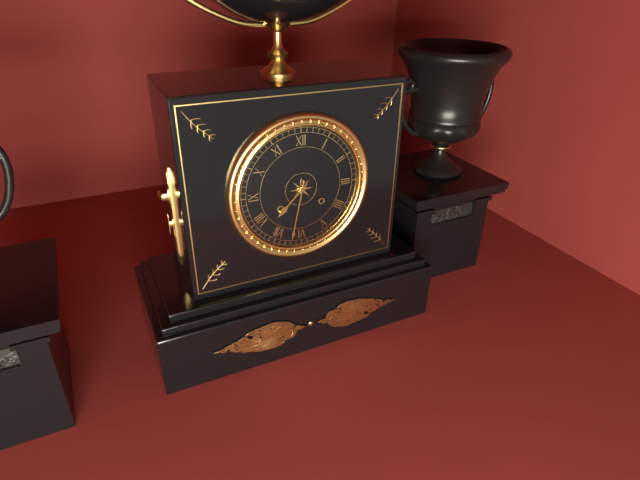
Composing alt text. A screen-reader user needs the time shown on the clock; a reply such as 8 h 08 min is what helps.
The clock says 7 h 32 min
